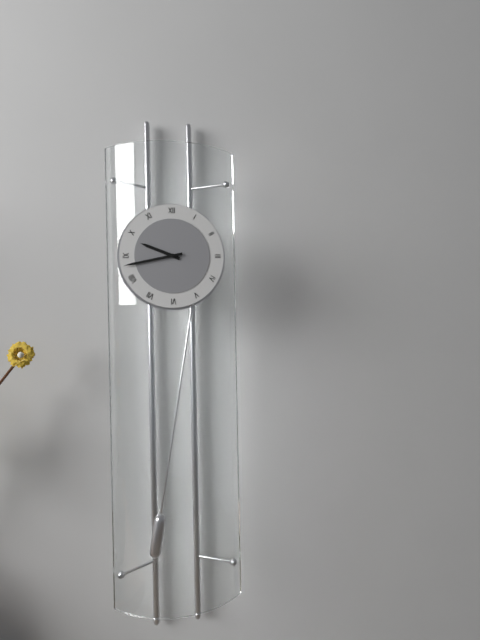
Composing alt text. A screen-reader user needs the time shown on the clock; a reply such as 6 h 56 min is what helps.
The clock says 9 h 43 min
